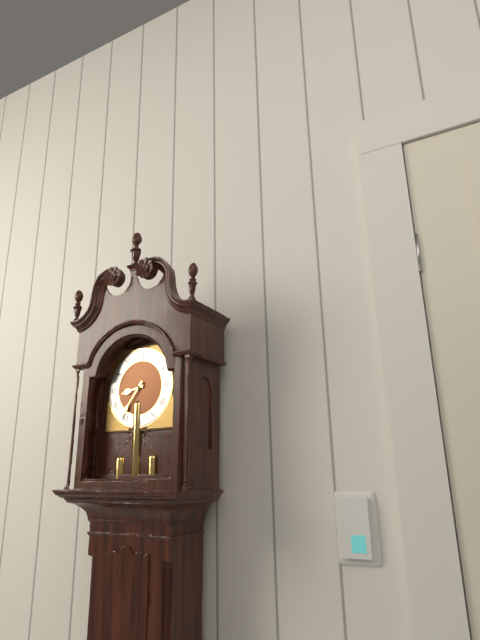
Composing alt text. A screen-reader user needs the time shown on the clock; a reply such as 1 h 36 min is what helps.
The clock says 8 h 36 min
